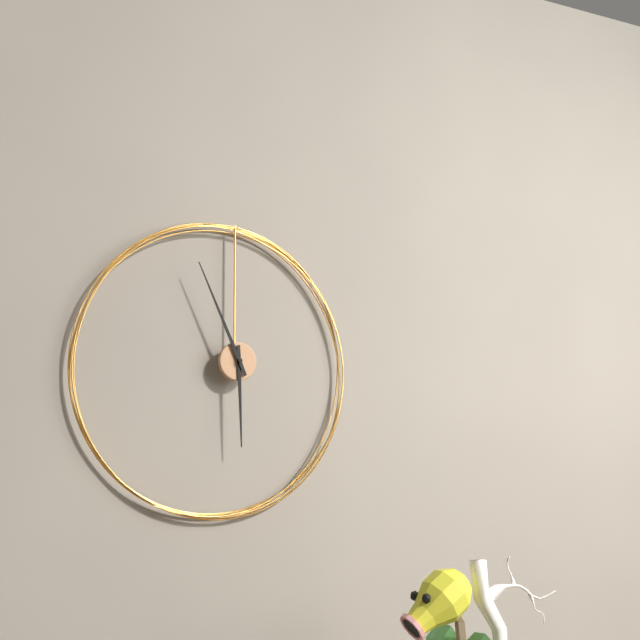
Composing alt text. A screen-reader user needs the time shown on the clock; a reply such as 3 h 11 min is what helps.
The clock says 5 h 56 min
